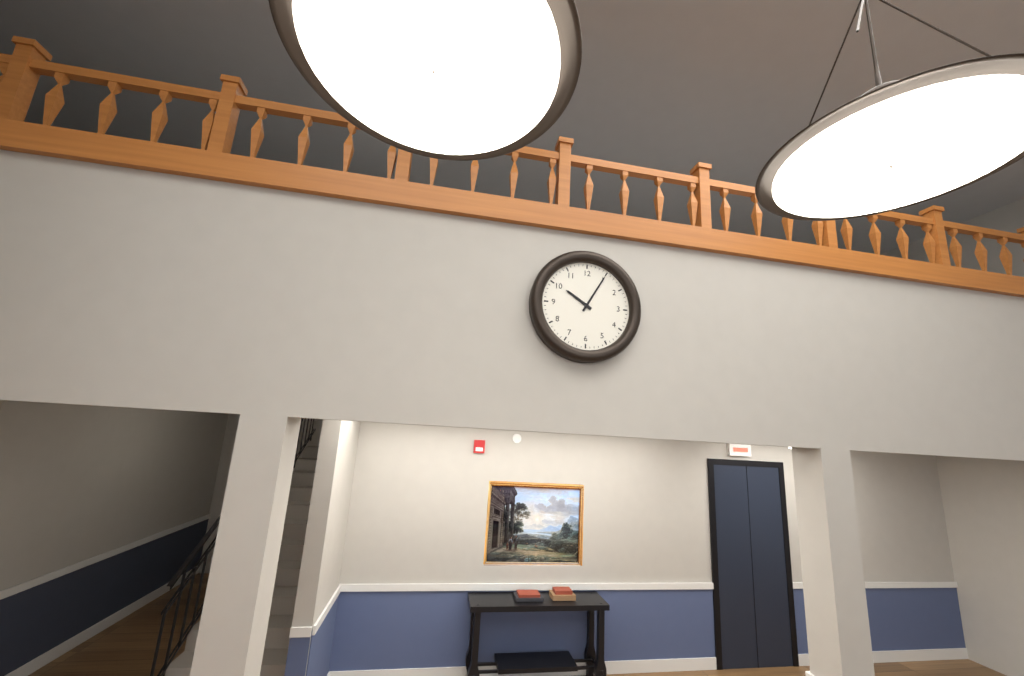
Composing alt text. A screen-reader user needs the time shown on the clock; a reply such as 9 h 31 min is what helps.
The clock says 10 h 05 min
